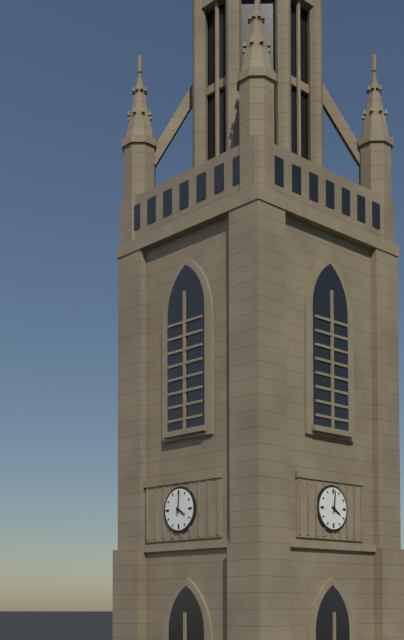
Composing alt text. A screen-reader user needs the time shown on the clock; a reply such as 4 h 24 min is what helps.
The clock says 4 h 01 min
